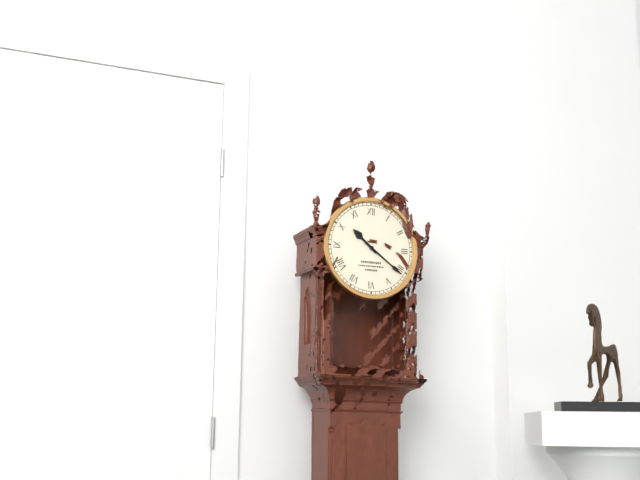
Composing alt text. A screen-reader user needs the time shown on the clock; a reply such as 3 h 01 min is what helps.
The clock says 10 h 21 min
